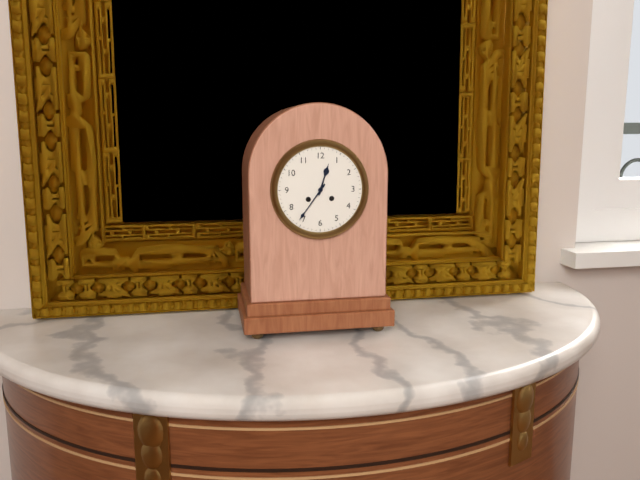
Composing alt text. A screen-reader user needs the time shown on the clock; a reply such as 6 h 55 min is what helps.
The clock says 12 h 36 min
